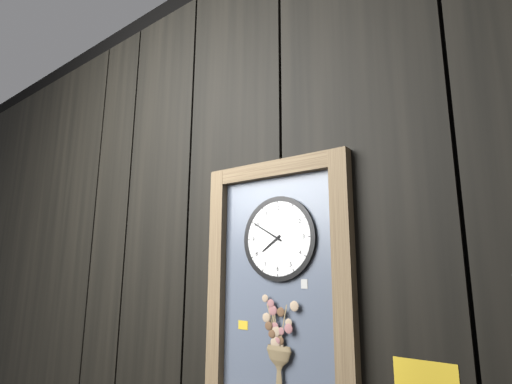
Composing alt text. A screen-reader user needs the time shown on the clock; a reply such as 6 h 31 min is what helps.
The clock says 7 h 50 min
